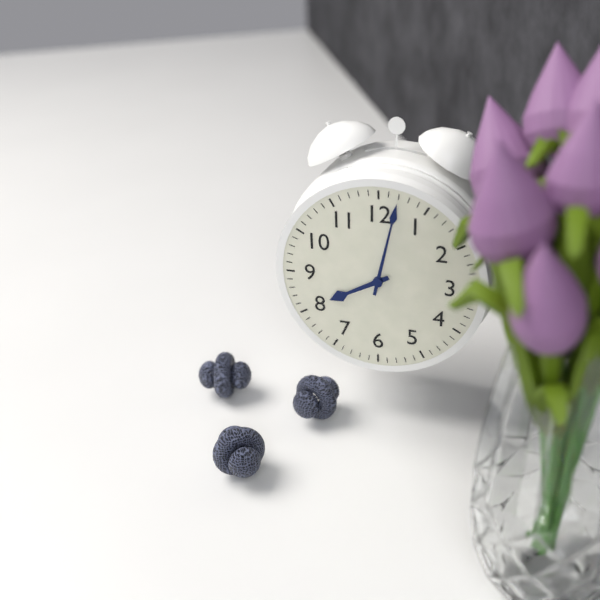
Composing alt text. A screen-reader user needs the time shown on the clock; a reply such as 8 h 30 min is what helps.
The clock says 8 h 02 min
